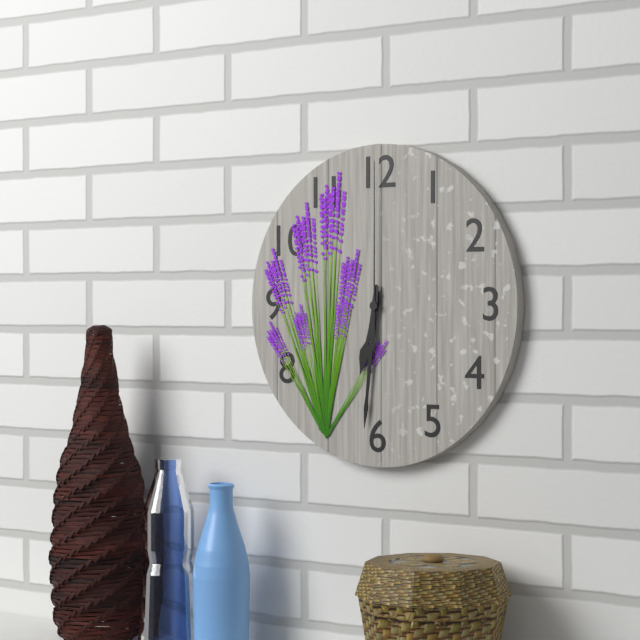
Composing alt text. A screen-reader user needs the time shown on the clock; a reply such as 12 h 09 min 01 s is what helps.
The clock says 6 h 31 min 00 s
